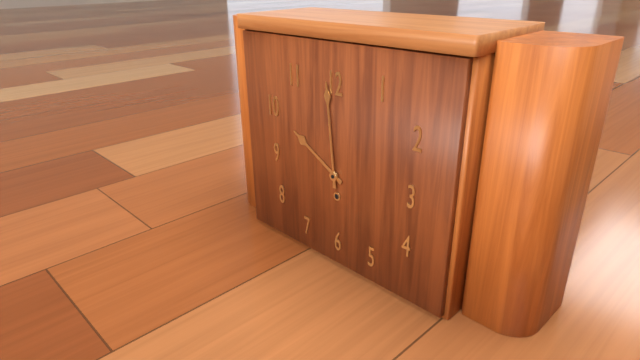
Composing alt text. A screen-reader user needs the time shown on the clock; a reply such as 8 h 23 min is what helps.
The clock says 9 h 59 min
